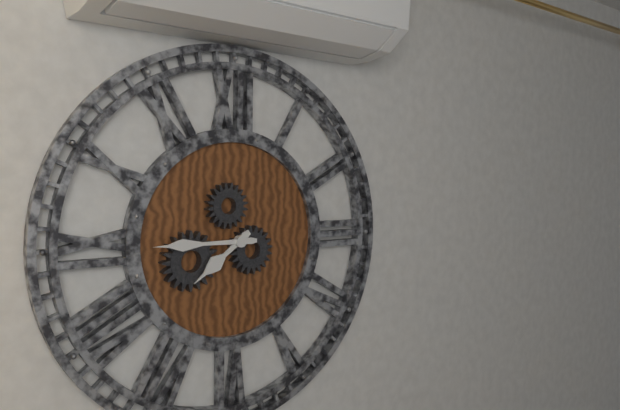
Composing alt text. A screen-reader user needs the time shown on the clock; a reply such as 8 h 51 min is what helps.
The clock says 7 h 45 min
